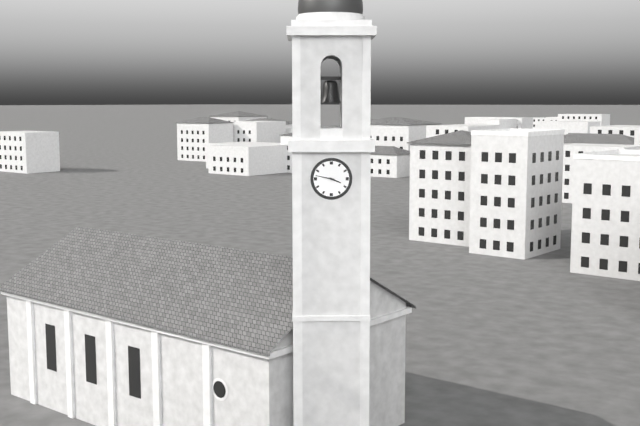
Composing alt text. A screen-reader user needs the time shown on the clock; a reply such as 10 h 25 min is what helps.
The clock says 3 h 47 min
